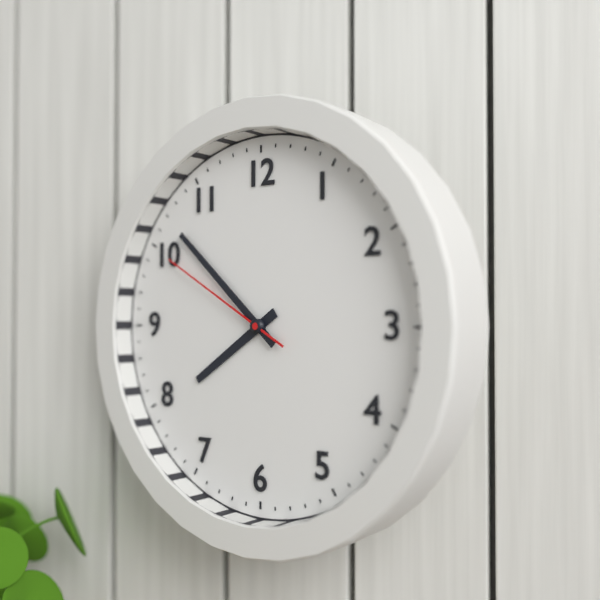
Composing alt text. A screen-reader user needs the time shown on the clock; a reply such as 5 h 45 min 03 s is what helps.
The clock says 7 h 52 min 50 s
